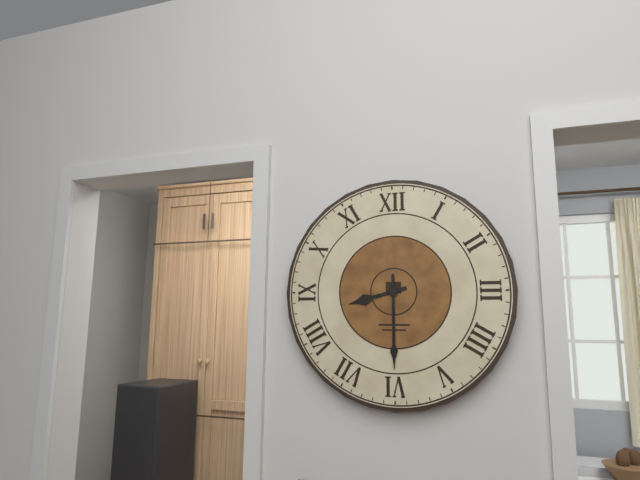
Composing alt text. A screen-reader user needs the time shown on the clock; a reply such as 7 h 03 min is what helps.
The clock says 8 h 30 min
